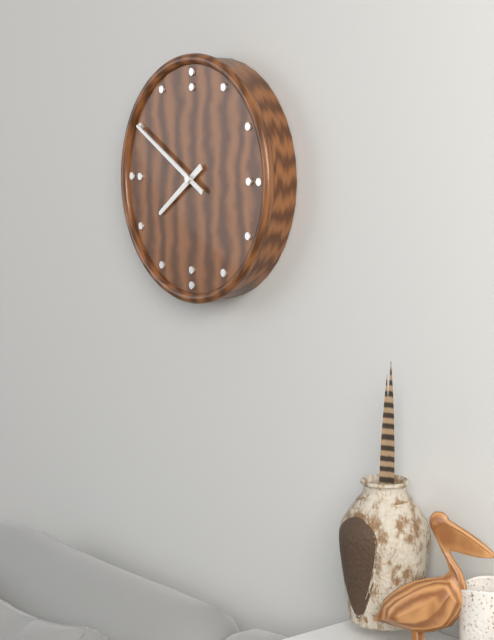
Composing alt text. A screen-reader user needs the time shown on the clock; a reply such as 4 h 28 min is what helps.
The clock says 7 h 50 min
